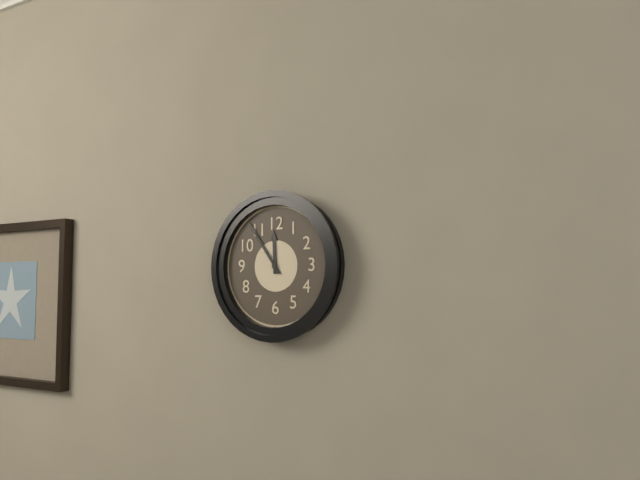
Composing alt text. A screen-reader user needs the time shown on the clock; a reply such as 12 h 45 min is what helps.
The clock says 11 h 54 min
